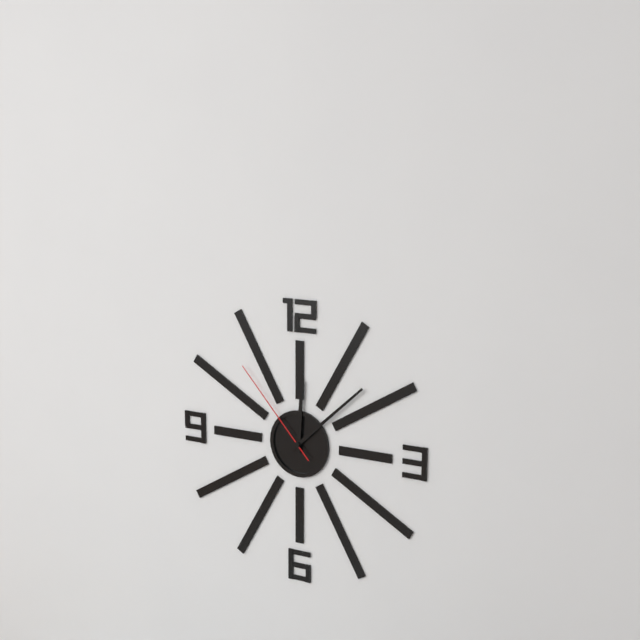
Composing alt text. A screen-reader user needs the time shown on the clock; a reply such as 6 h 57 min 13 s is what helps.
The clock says 12 h 08 min 53 s
